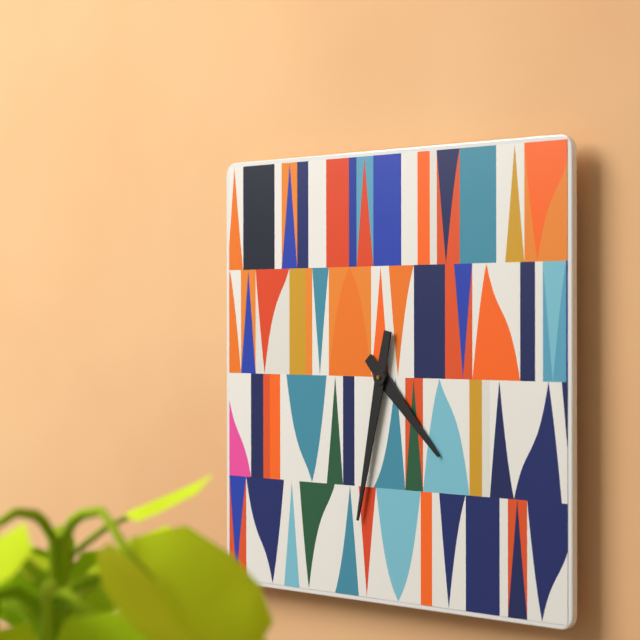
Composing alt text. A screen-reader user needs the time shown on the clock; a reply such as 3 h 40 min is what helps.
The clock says 4 h 32 min
